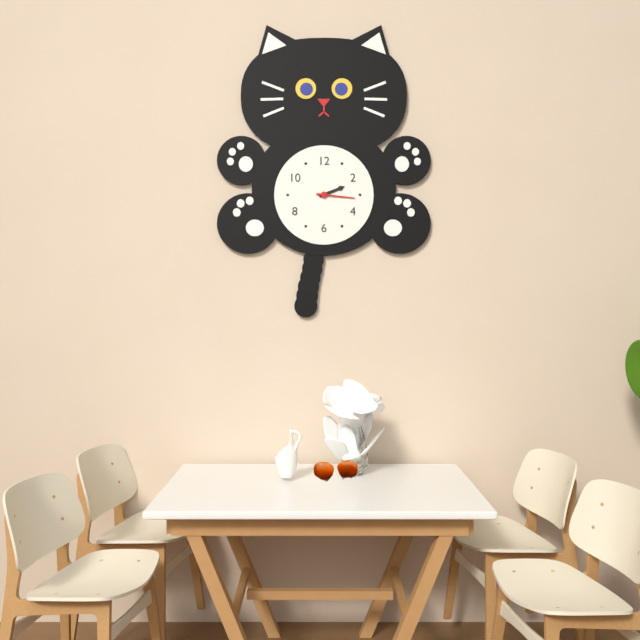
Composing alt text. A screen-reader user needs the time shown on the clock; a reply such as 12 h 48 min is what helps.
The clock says 2 h 16 min
